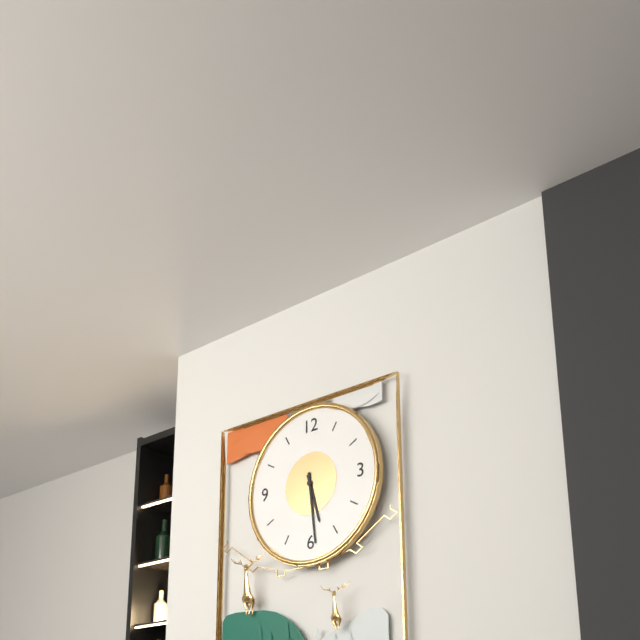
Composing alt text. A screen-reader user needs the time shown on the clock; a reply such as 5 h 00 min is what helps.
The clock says 5 h 29 min
